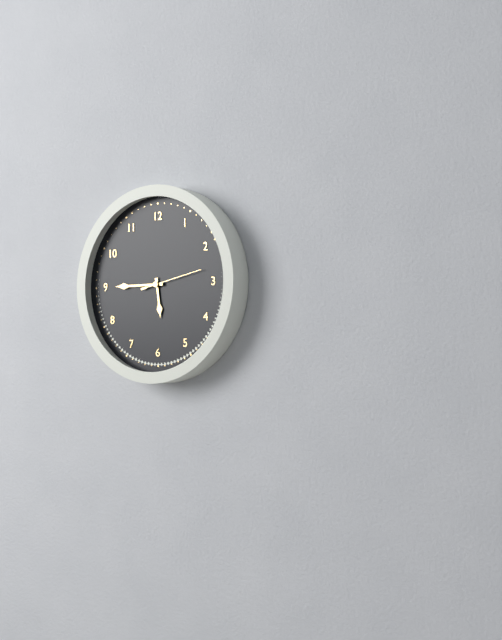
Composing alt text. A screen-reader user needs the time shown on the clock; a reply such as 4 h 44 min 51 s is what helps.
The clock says 5 h 45 min 13 s
